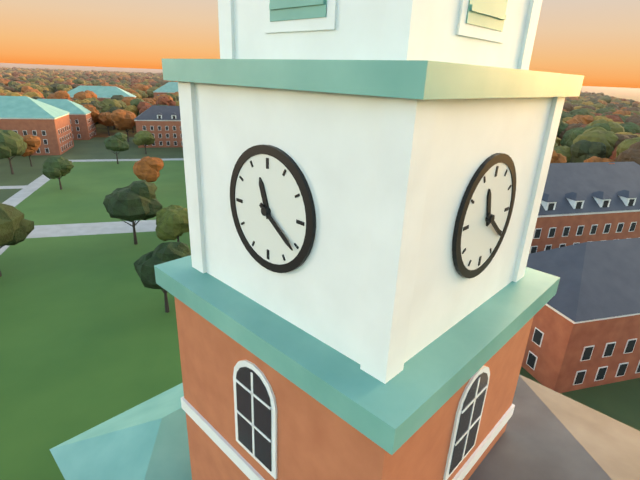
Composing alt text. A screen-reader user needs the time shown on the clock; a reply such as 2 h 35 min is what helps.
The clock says 11 h 21 min
